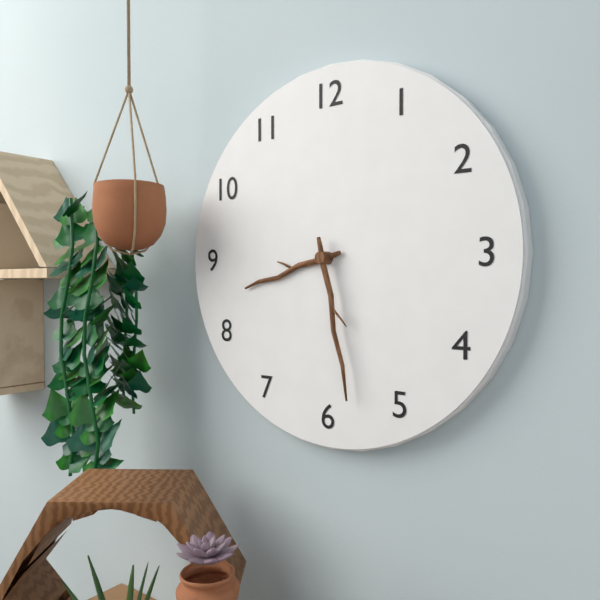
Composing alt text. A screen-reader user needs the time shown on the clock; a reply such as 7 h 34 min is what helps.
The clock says 8 h 28 min
